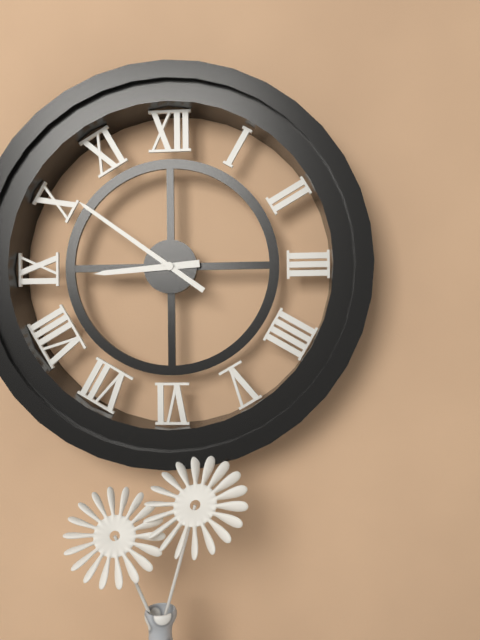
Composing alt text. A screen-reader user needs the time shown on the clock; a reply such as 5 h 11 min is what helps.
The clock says 8 h 51 min
